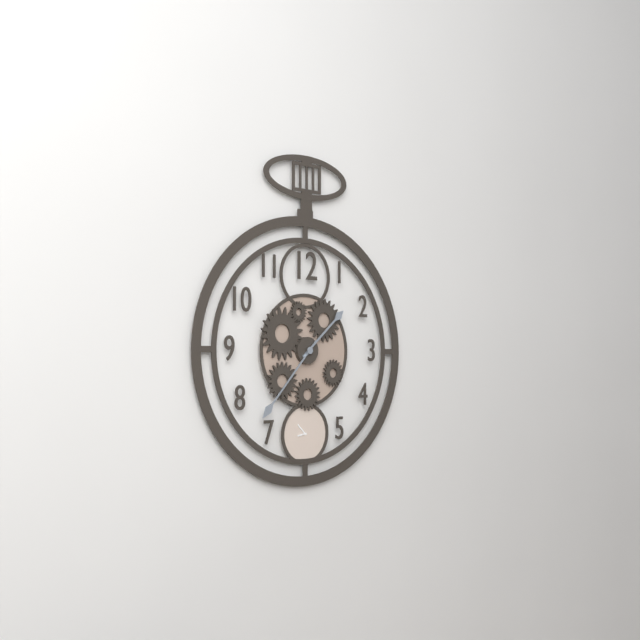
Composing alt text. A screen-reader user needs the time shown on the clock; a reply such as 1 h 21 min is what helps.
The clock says 1 h 37 min
